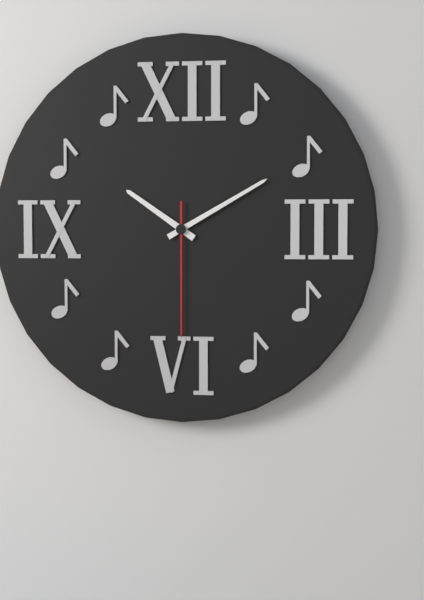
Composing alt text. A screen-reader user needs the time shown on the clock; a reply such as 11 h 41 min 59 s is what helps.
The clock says 10 h 10 min 30 s
